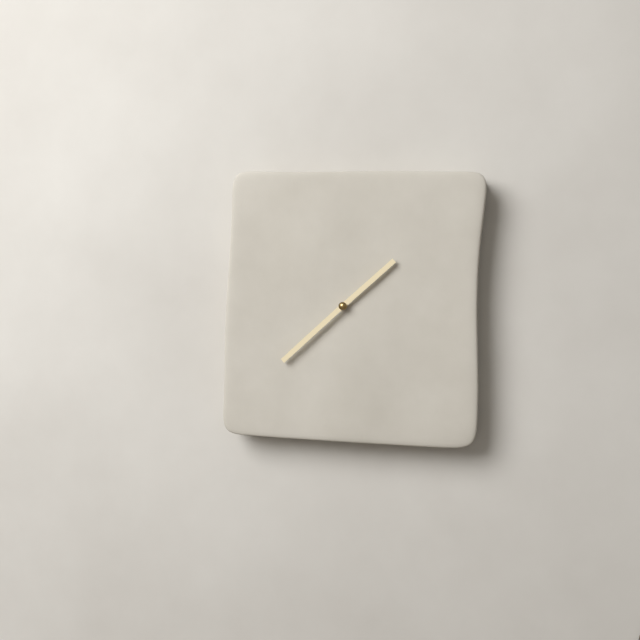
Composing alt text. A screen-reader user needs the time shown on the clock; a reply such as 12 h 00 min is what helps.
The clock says 1 h 38 min
